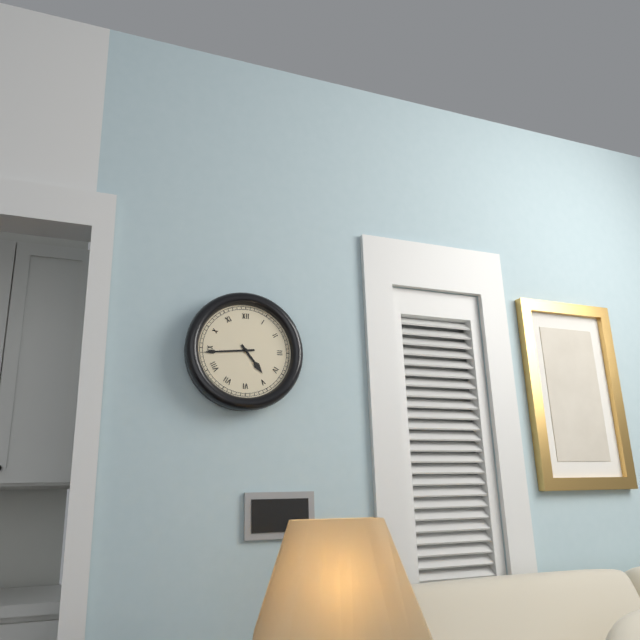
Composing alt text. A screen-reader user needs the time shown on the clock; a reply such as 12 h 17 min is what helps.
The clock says 4 h 44 min
